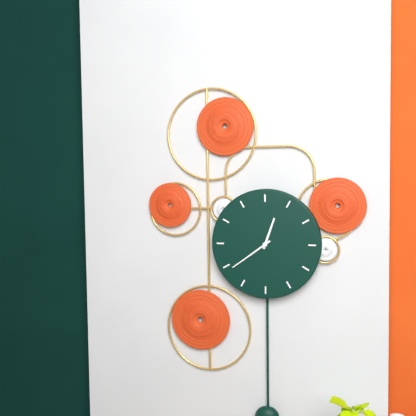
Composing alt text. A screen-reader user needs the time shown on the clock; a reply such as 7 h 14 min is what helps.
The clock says 12 h 39 min
